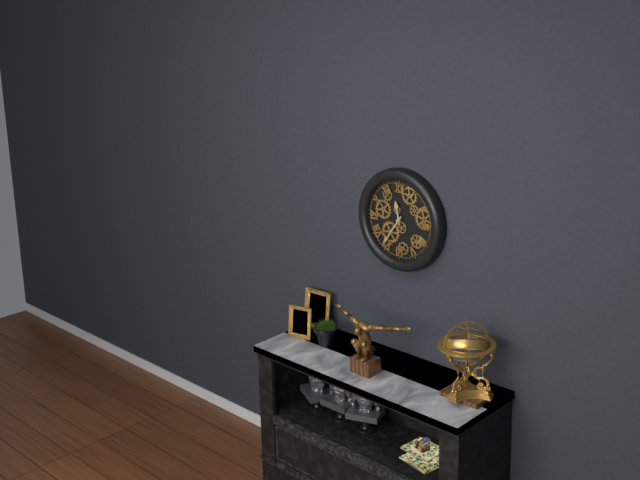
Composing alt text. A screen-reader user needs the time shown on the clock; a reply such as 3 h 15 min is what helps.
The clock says 11 h 36 min
